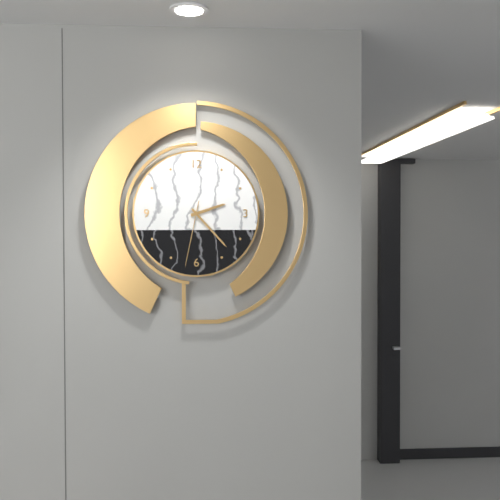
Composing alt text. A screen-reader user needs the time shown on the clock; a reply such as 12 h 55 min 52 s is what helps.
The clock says 2 h 23 min 32 s
